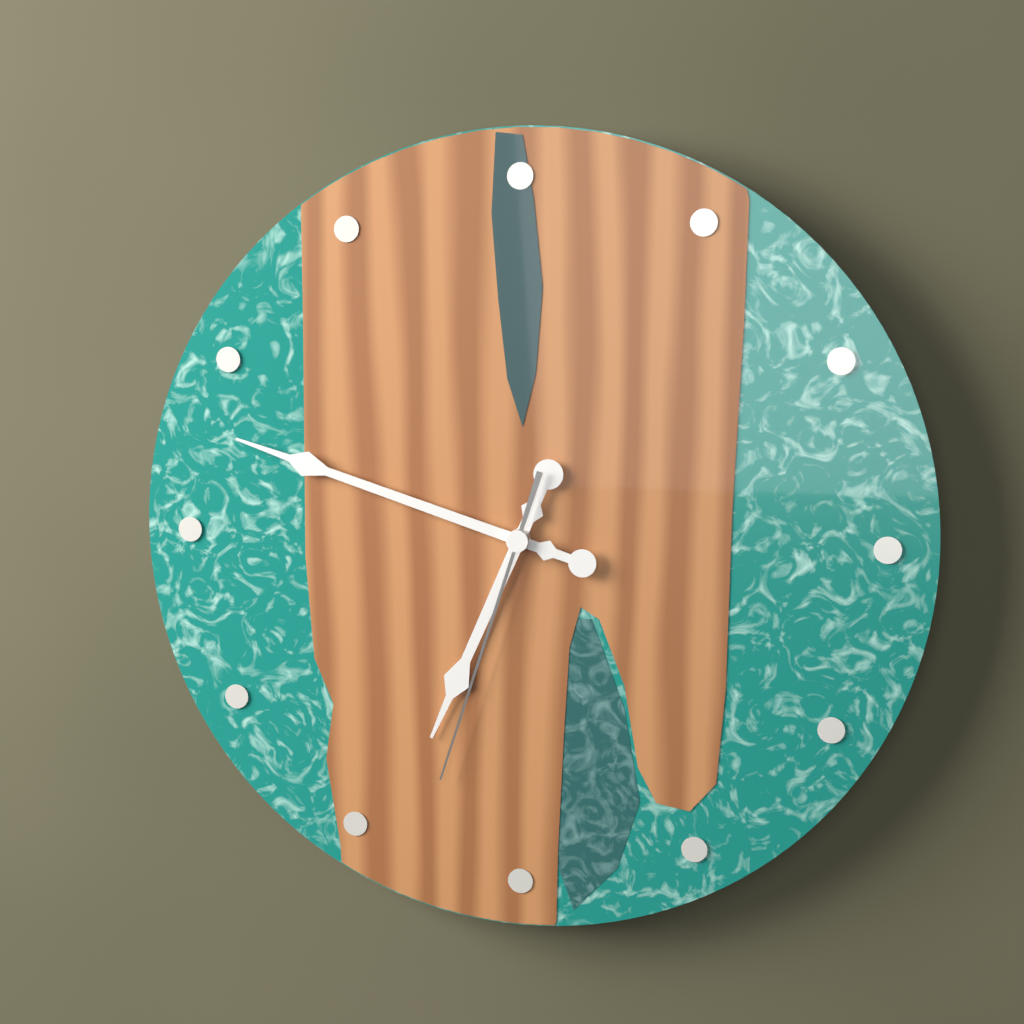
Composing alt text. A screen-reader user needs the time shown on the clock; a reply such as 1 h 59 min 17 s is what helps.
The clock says 6 h 48 min 33 s
